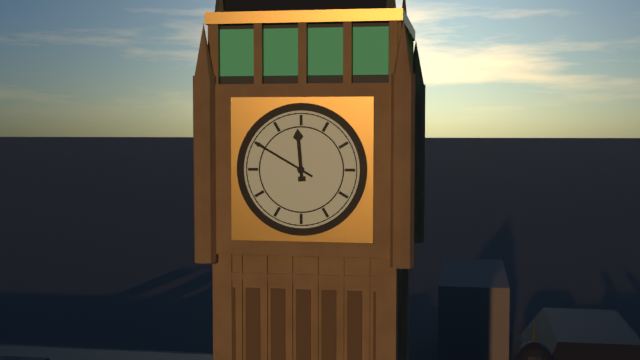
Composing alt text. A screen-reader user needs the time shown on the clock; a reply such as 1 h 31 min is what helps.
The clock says 11 h 50 min
